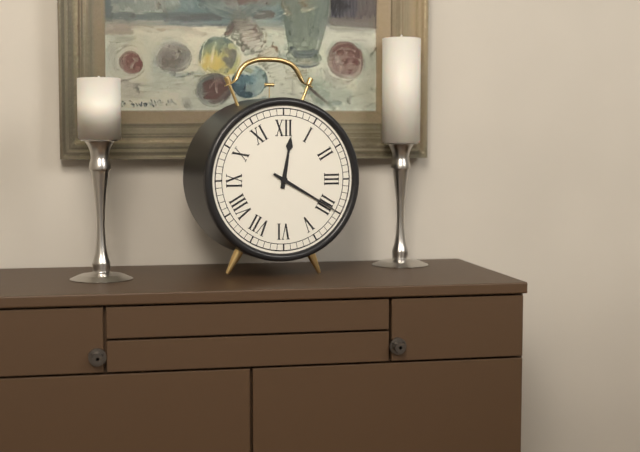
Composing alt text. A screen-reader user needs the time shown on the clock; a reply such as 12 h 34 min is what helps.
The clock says 12 h 20 min
